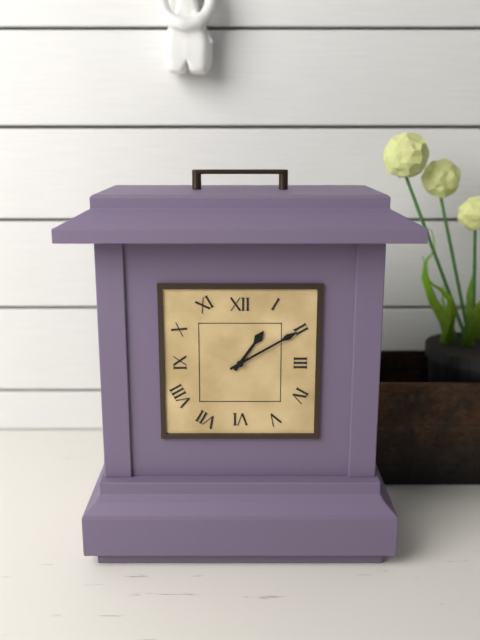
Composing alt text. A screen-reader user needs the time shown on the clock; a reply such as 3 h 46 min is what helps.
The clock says 1 h 10 min
